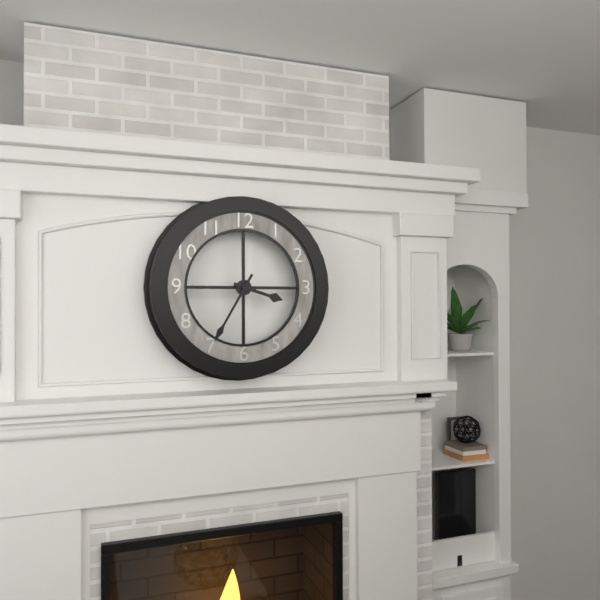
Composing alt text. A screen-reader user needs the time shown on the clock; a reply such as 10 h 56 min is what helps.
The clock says 3 h 35 min
